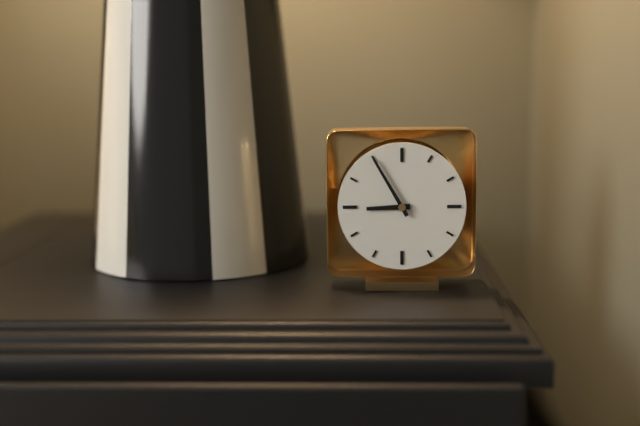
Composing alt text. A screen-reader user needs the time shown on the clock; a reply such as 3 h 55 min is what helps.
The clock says 8 h 55 min
